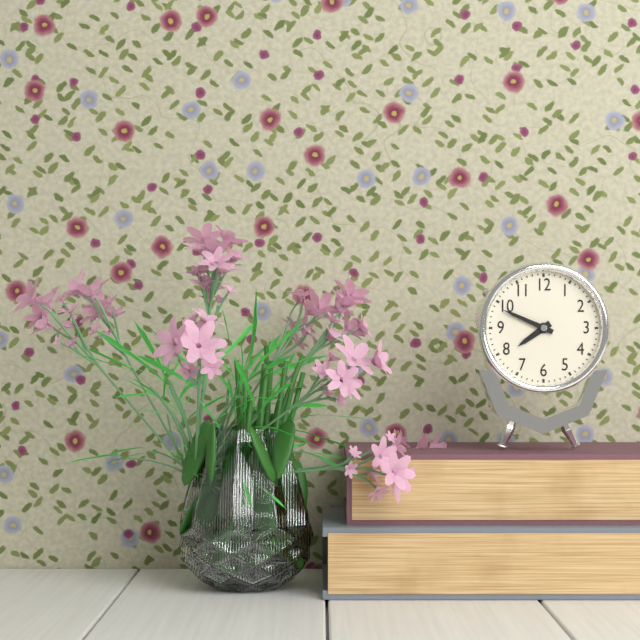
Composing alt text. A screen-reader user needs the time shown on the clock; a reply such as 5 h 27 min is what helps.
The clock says 7 h 49 min
